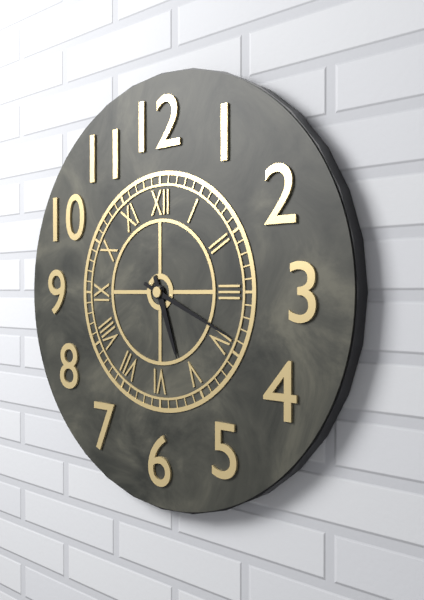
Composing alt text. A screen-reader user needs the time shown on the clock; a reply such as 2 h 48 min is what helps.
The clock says 5 h 19 min
